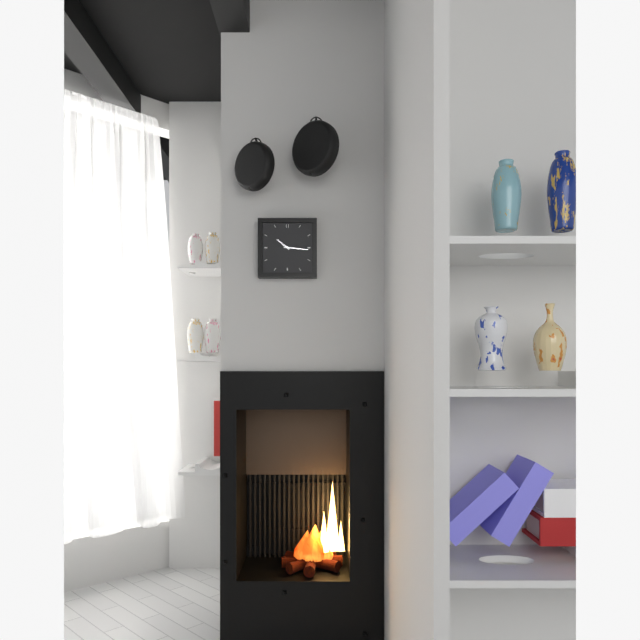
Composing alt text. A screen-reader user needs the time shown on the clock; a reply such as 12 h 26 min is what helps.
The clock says 10 h 16 min
